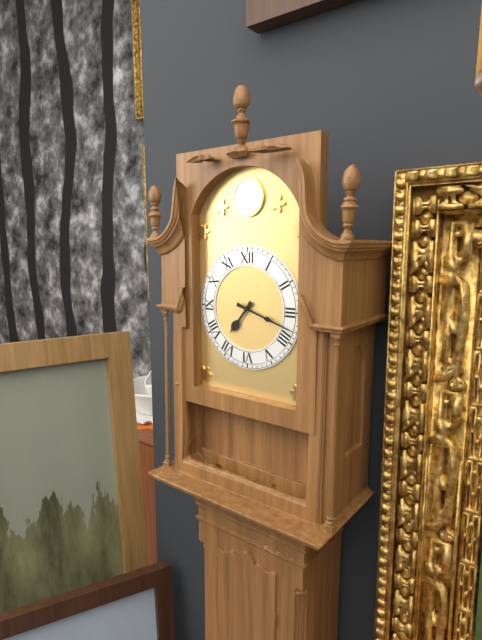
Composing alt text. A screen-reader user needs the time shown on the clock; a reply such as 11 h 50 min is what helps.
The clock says 7 h 18 min
